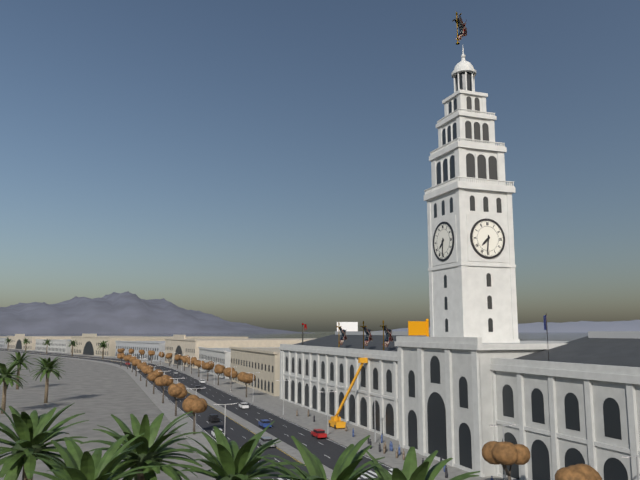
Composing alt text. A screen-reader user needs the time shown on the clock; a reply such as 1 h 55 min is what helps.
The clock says 7 h 31 min
